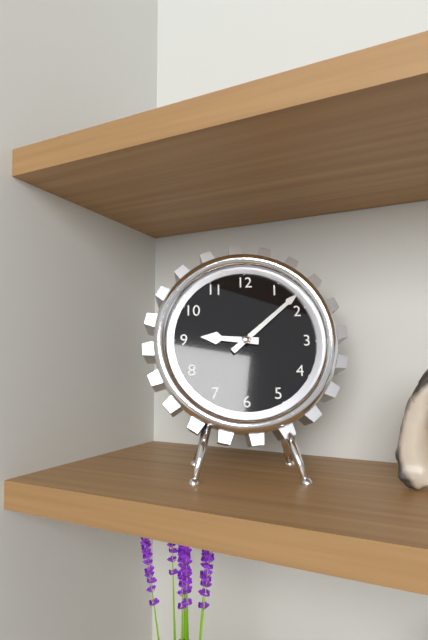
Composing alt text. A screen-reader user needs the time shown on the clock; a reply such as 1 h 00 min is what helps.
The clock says 9 h 08 min
